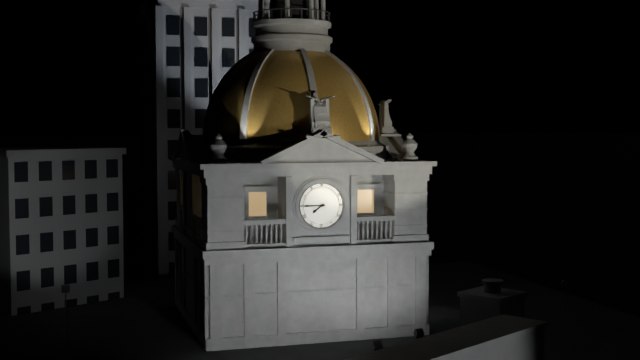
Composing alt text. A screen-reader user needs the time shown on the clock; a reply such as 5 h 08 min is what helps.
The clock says 7 h 45 min
